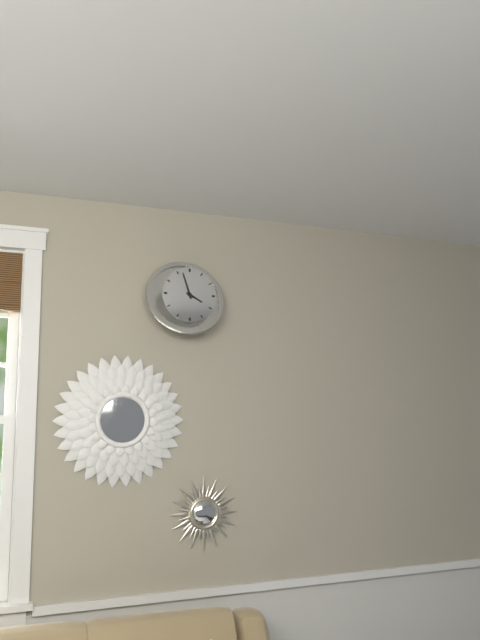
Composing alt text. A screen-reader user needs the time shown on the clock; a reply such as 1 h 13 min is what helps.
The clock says 3 h 57 min
